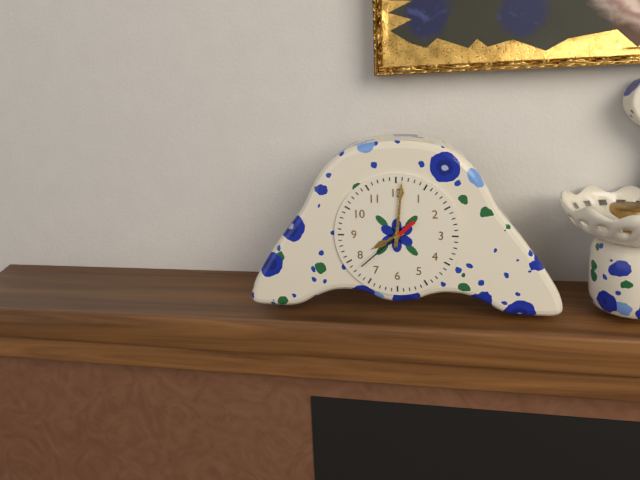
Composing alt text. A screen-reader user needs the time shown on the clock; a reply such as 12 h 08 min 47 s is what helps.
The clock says 8 h 01 min 38 s
